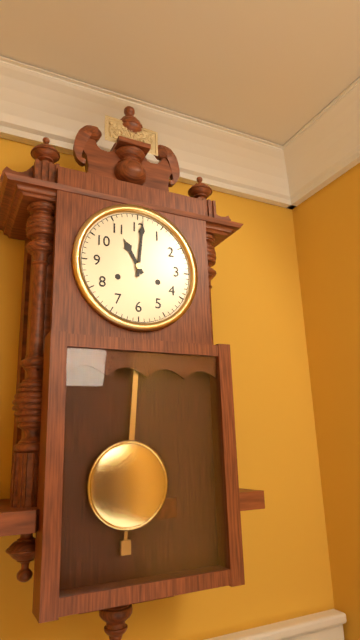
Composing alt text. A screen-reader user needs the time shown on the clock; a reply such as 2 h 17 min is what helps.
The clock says 11 h 01 min
